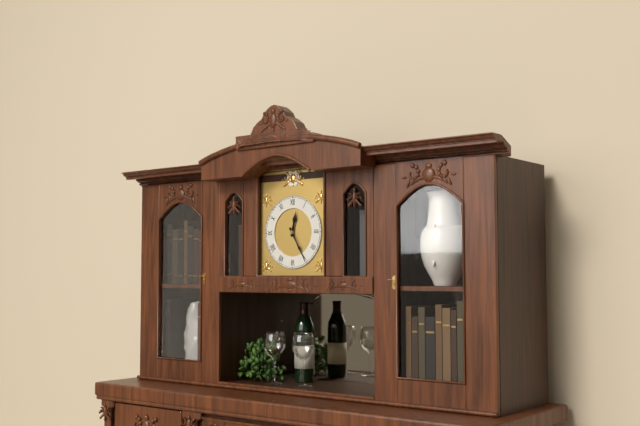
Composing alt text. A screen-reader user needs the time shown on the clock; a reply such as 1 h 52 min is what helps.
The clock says 12 h 25 min
